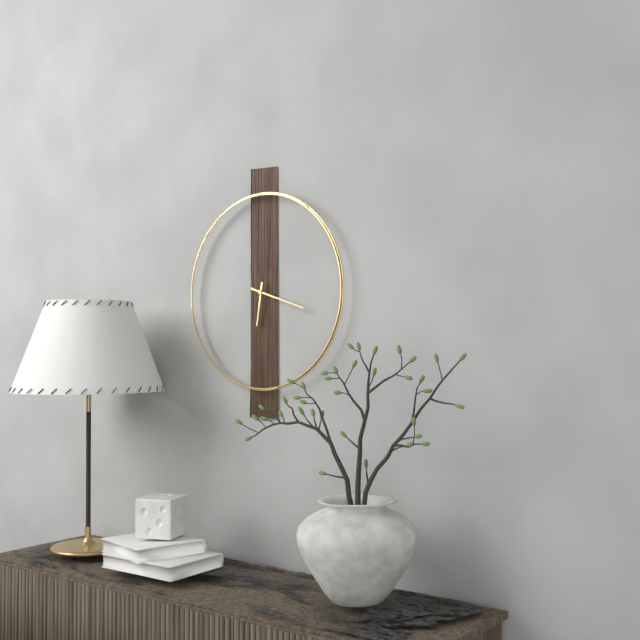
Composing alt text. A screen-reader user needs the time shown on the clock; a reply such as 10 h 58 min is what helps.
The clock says 6 h 18 min
